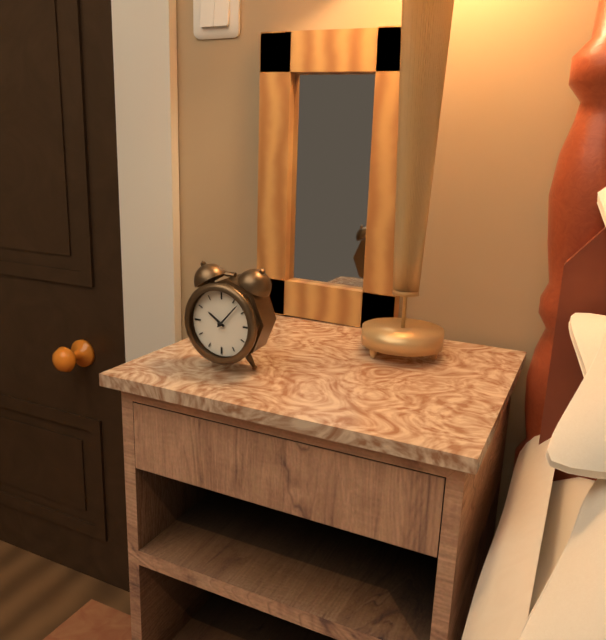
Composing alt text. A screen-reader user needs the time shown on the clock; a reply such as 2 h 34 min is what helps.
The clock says 10 h 07 min
